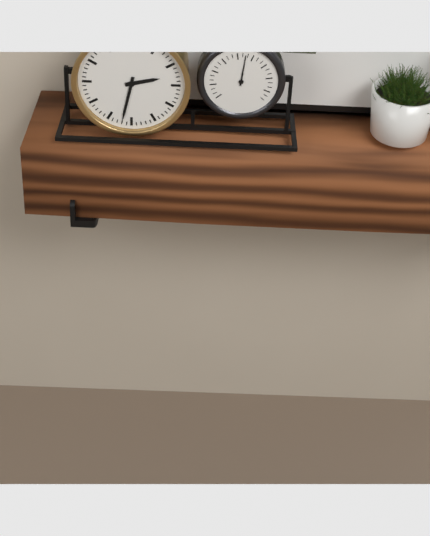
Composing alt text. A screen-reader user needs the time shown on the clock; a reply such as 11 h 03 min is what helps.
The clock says 2 h 32 min
